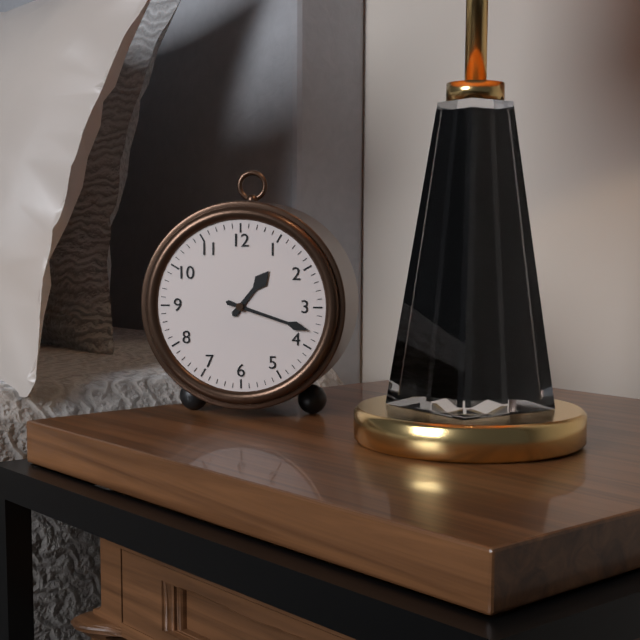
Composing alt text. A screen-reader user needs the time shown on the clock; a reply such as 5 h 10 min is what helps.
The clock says 1 h 18 min
